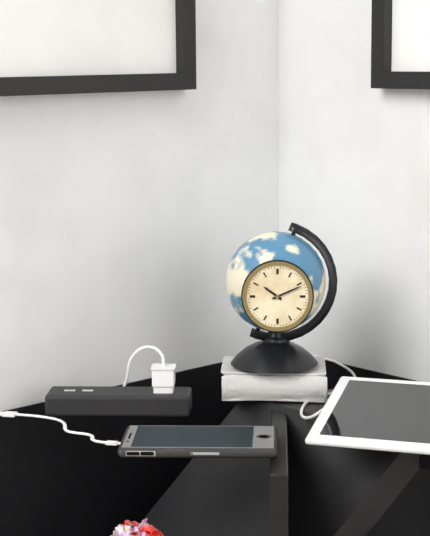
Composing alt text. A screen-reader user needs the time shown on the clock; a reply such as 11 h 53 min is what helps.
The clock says 10 h 11 min
